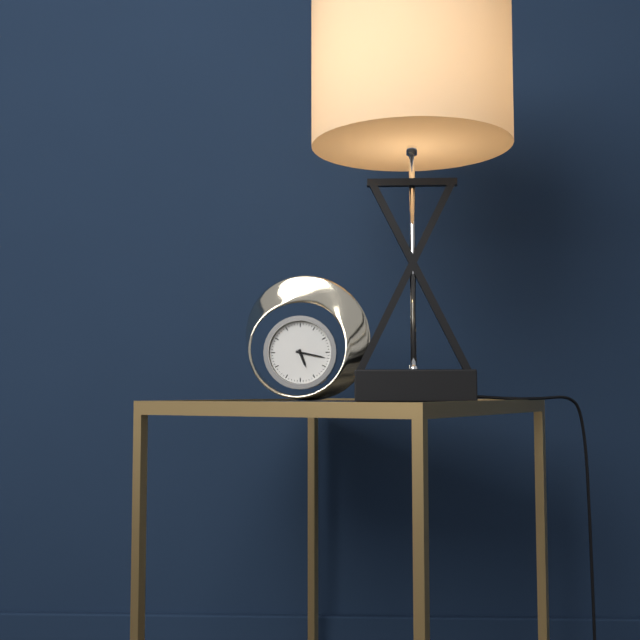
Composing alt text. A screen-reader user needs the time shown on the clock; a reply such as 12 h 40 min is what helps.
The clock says 5 h 17 min
